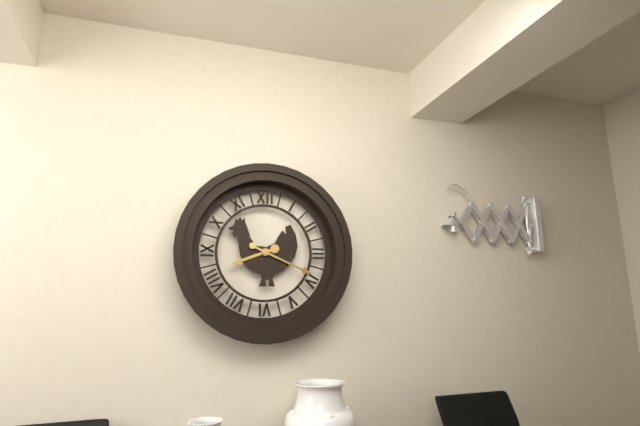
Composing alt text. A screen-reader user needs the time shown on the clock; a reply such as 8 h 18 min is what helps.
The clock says 8 h 19 min
